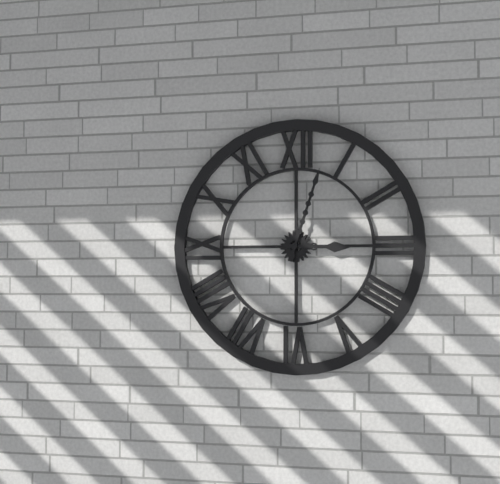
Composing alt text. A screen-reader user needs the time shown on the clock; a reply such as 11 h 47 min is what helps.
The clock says 3 h 03 min
